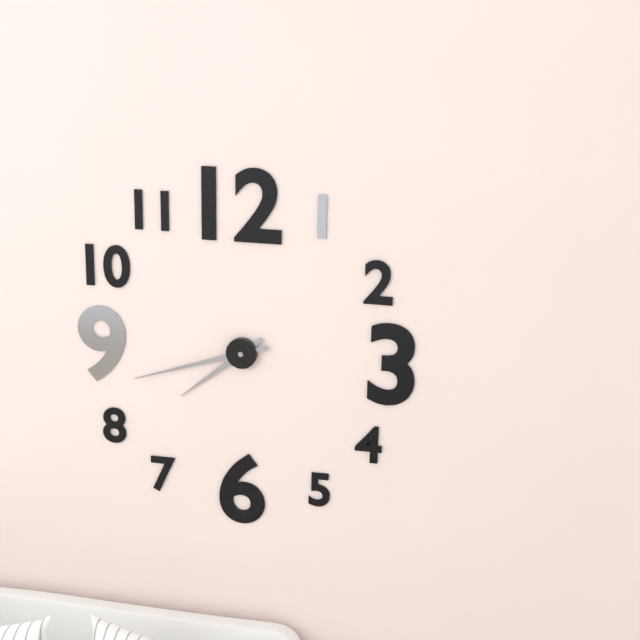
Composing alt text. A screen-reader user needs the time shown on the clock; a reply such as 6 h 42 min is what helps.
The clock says 7 h 42 min
